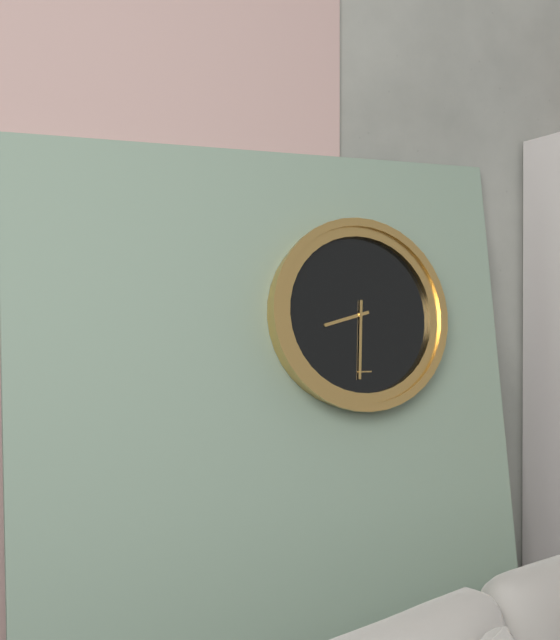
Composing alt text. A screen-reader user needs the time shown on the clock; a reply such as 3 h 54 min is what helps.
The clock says 8 h 31 min
